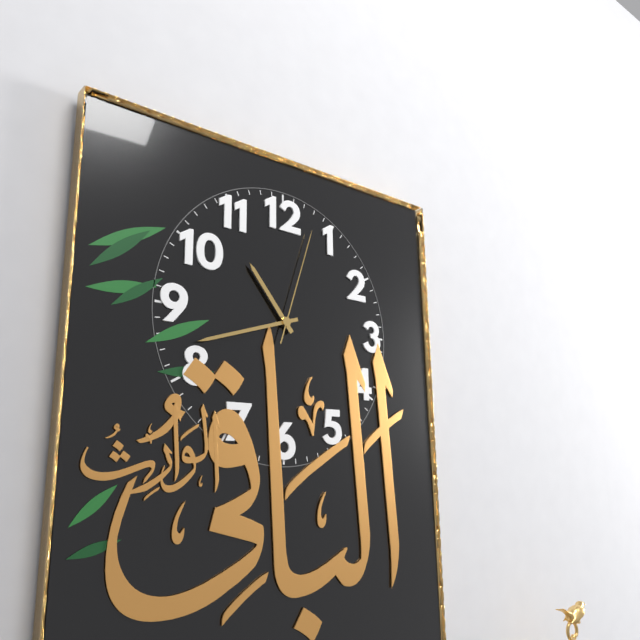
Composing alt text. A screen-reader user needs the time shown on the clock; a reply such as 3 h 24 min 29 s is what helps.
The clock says 10 h 42 min 03 s
